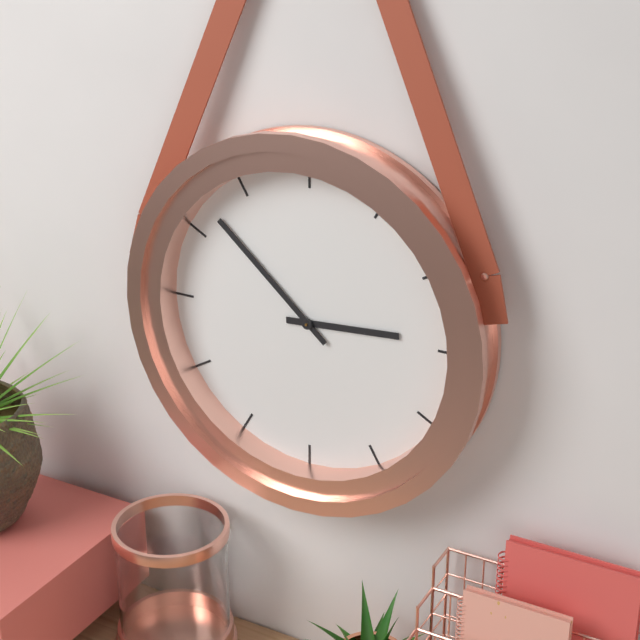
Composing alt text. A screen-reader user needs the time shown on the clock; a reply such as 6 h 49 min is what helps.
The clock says 2 h 52 min
